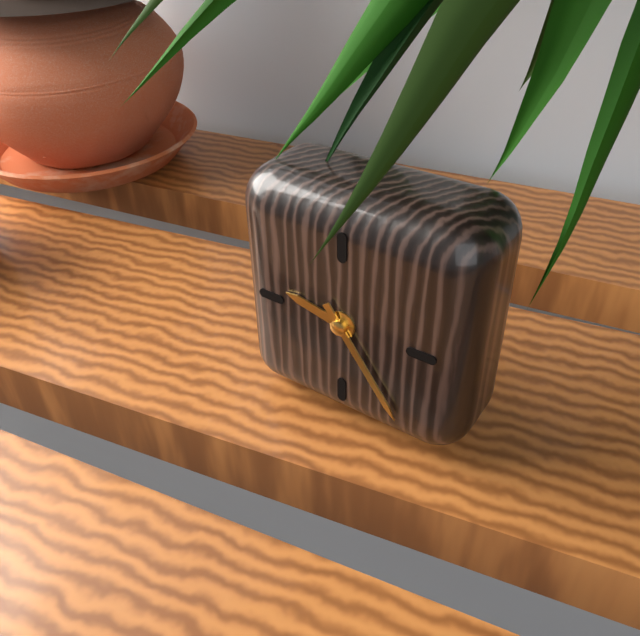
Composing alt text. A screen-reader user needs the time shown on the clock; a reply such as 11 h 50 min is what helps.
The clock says 9 h 24 min
